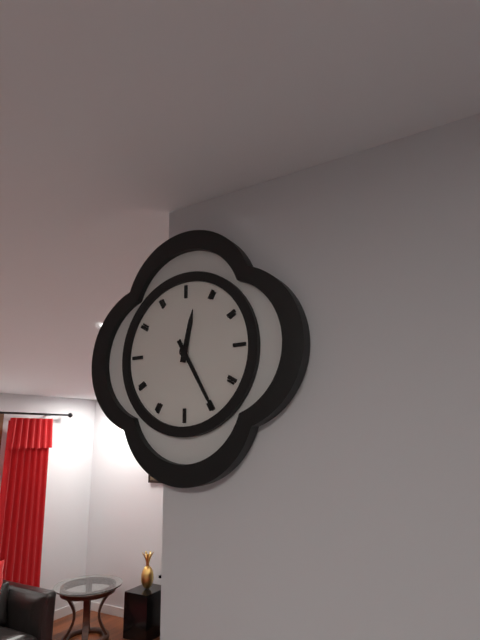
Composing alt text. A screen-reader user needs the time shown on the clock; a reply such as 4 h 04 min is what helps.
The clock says 12 h 25 min
